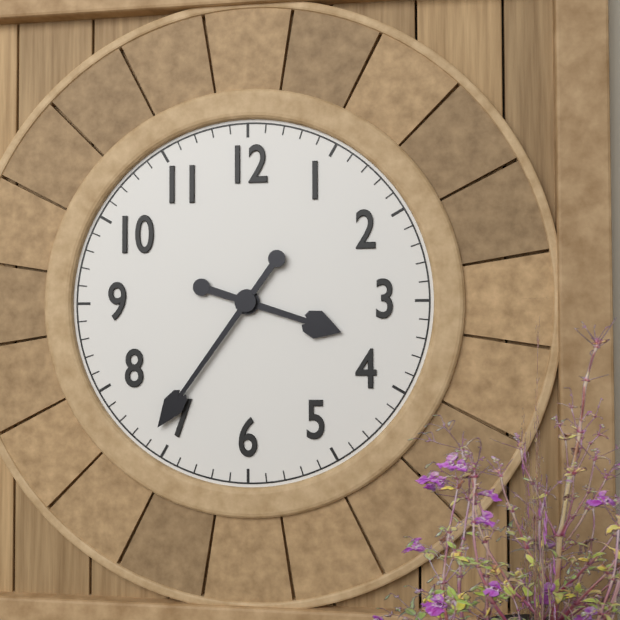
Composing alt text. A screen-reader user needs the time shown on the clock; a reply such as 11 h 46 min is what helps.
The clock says 3 h 36 min
